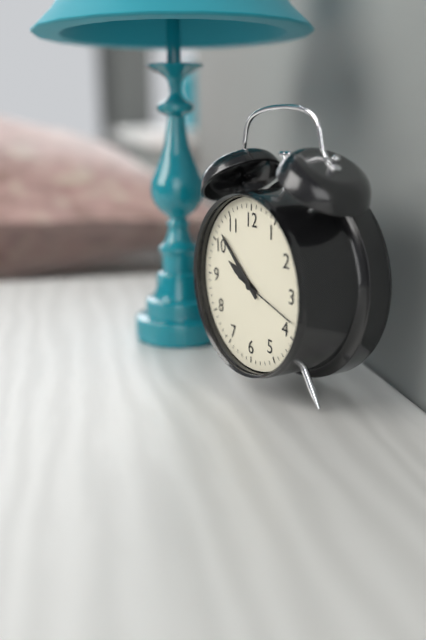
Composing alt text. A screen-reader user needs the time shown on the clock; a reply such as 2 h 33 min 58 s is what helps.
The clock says 9 h 52 min 18 s
